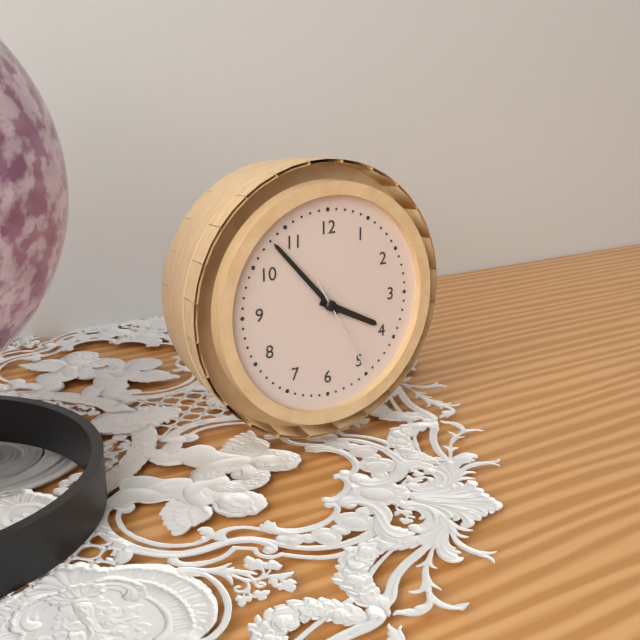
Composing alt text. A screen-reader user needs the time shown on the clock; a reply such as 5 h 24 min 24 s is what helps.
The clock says 3 h 53 min 25 s
